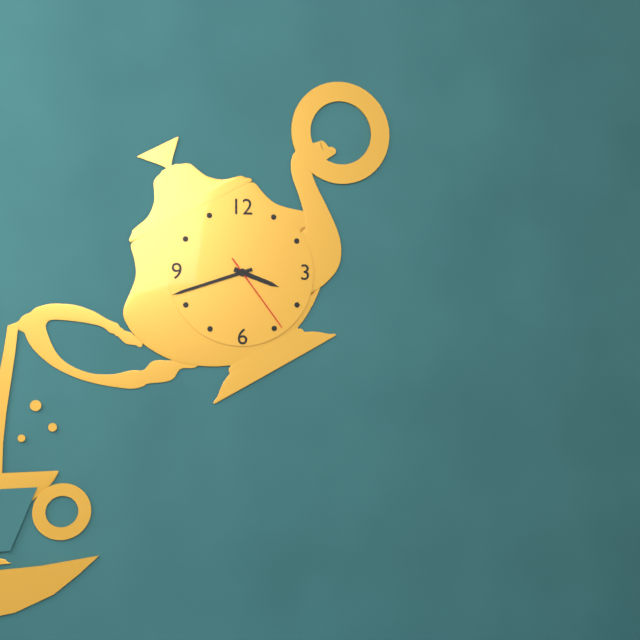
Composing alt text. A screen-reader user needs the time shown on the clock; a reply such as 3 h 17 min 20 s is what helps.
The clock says 3 h 42 min 24 s
